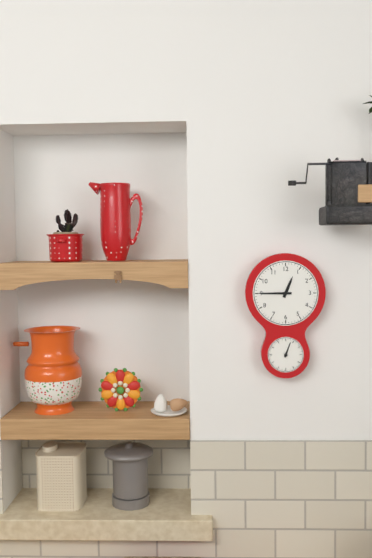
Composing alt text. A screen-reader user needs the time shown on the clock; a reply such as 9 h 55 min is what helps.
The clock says 12 h 45 min
